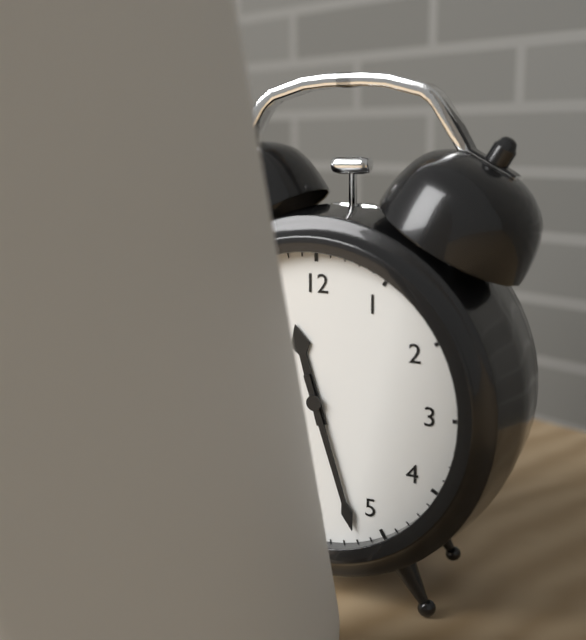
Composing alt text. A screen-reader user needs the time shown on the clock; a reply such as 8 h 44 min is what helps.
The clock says 11 h 27 min
